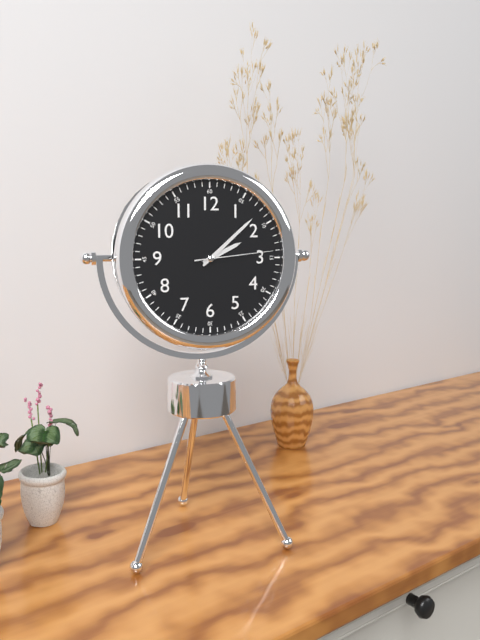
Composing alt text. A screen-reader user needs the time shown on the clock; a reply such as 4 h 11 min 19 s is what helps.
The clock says 2 h 08 min 14 s
